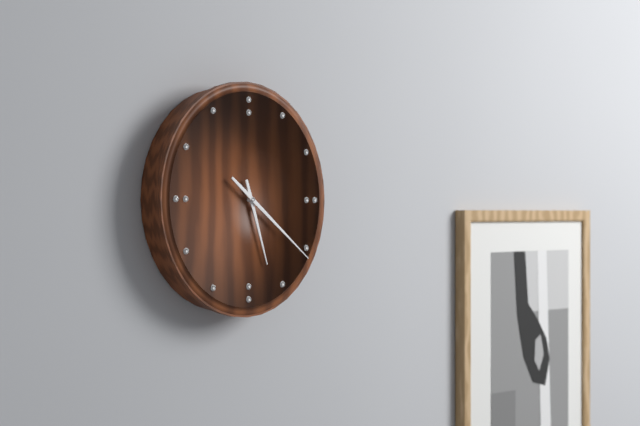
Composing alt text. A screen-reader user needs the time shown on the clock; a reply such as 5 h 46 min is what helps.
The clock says 5 h 21 min
